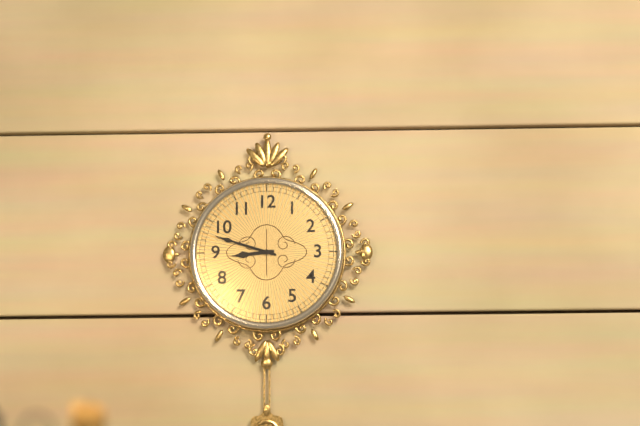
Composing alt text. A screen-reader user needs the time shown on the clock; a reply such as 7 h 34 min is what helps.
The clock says 8 h 48 min
